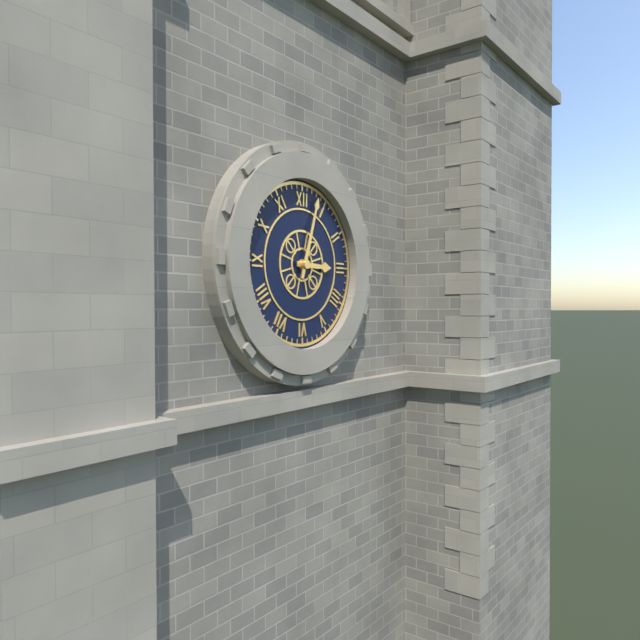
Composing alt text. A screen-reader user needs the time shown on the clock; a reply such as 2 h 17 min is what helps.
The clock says 3 h 03 min
